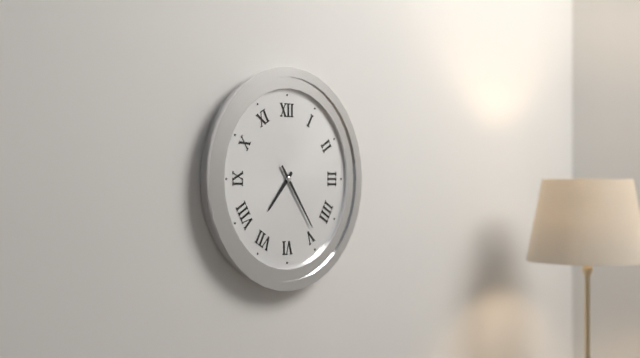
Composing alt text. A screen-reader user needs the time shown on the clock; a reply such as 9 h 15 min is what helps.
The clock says 7 h 24 min
